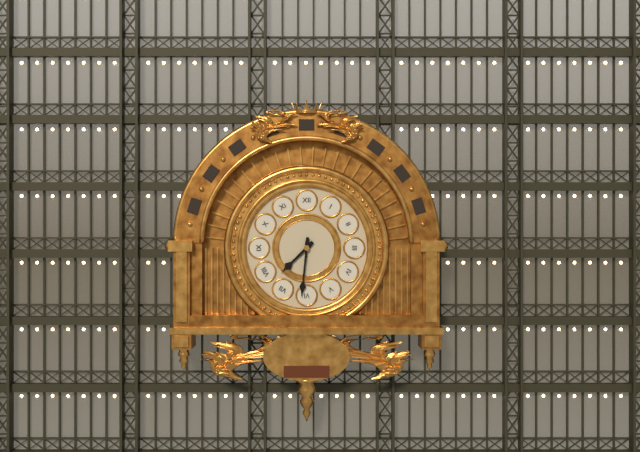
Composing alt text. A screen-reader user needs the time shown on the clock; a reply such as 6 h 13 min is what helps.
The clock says 7 h 31 min
